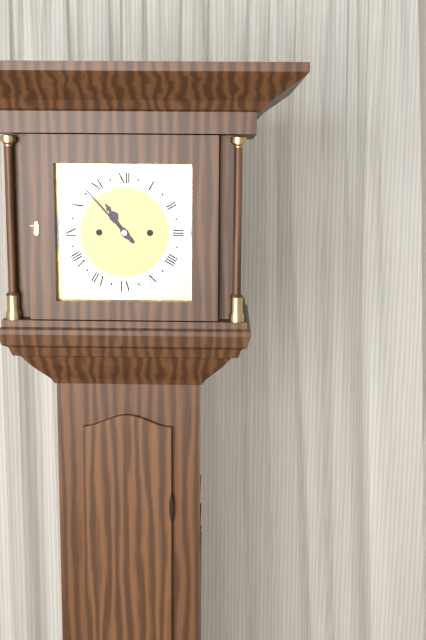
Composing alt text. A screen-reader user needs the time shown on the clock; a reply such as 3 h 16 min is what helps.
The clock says 10 h 53 min
